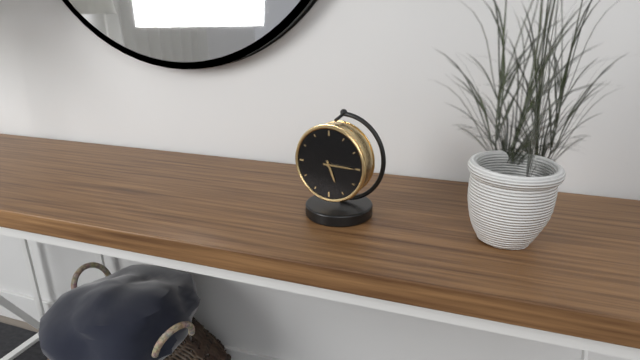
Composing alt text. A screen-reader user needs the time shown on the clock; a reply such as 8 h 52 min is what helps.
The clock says 5 h 15 min
